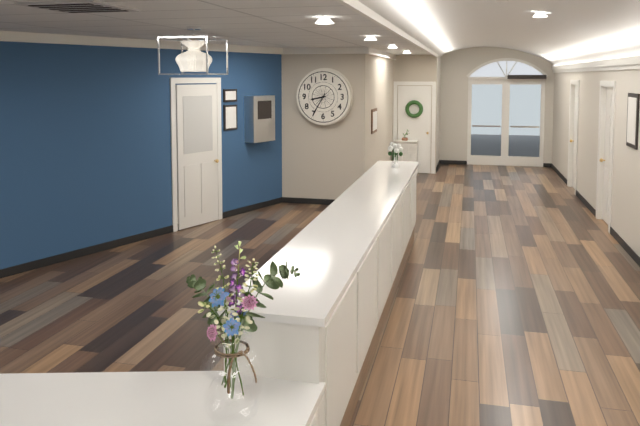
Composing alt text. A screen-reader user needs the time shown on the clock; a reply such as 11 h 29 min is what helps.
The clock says 8 h 35 min
